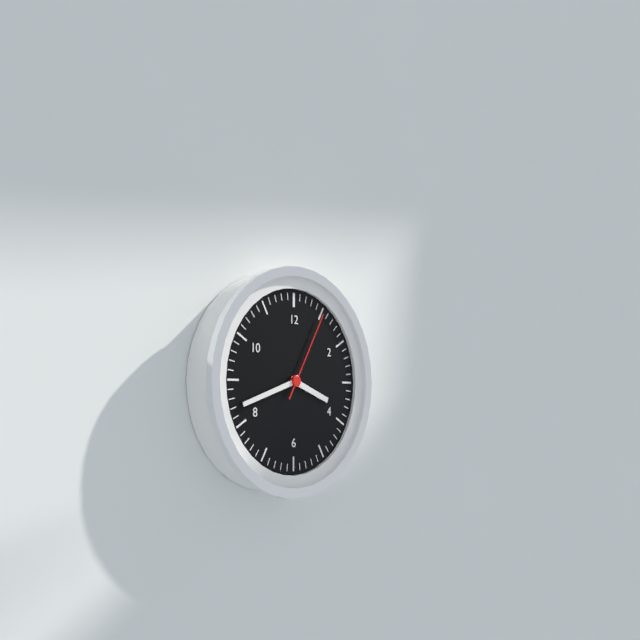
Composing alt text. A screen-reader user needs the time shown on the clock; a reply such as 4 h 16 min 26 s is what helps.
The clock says 3 h 42 min 05 s
